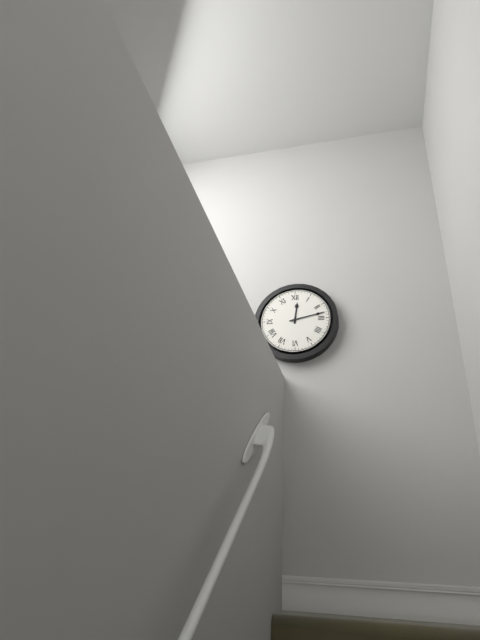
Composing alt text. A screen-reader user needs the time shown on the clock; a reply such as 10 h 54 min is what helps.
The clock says 12 h 13 min
